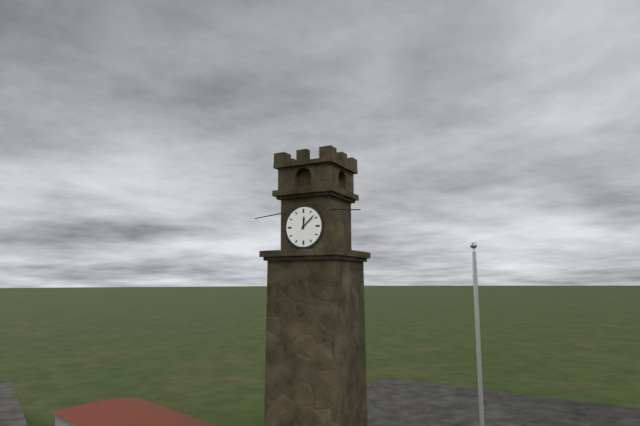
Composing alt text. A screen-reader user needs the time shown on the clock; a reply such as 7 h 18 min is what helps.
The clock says 12 h 08 min
